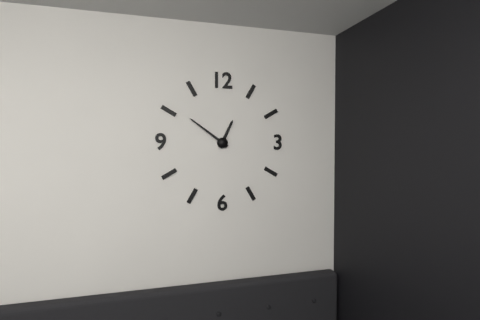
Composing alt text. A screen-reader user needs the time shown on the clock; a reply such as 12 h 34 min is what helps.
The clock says 12 h 51 min
